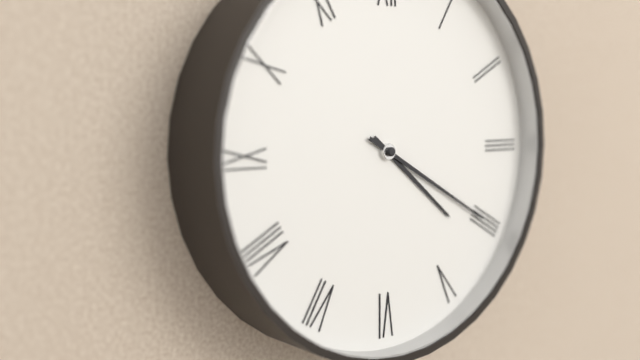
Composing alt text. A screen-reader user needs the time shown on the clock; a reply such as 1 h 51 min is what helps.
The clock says 4 h 20 min
